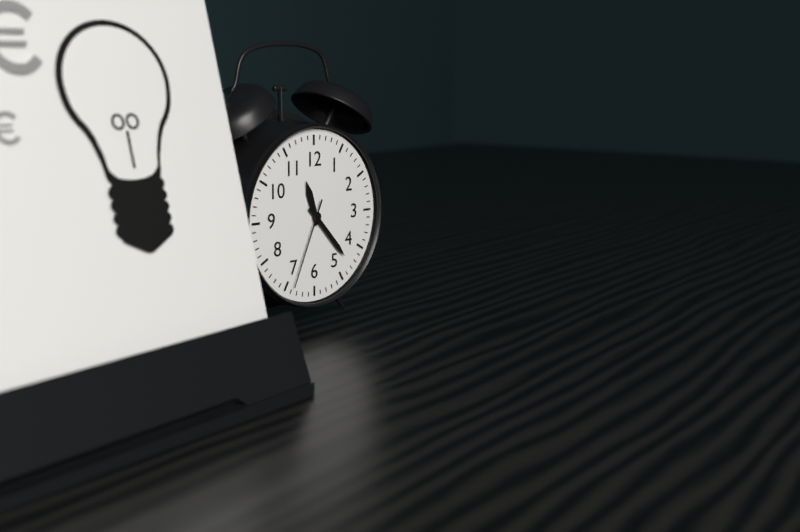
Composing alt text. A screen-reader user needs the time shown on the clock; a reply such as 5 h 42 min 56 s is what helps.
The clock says 11 h 23 min 34 s
